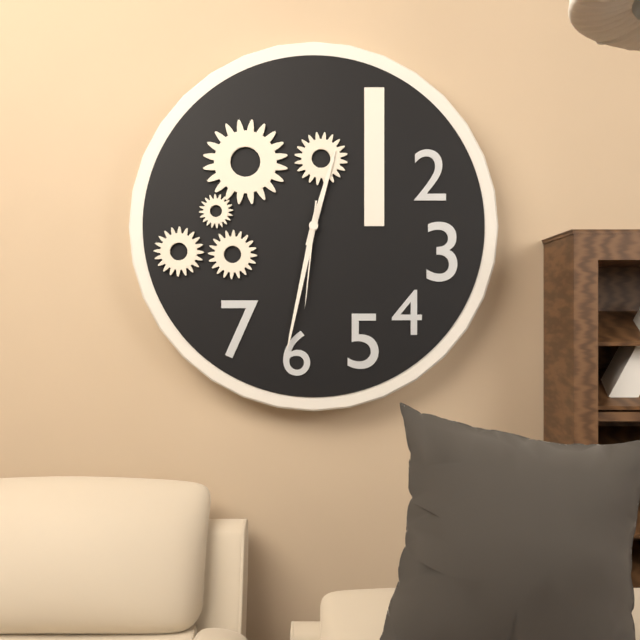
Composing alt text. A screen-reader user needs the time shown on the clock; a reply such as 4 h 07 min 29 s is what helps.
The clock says 12 h 32 min 31 s
